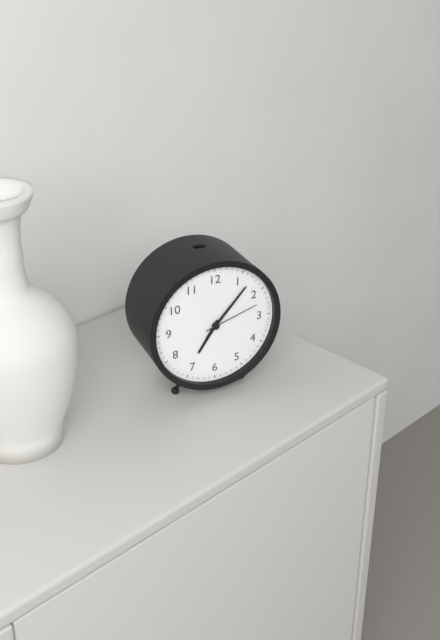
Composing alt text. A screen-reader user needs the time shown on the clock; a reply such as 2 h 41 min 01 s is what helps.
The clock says 7 h 07 min 12 s
